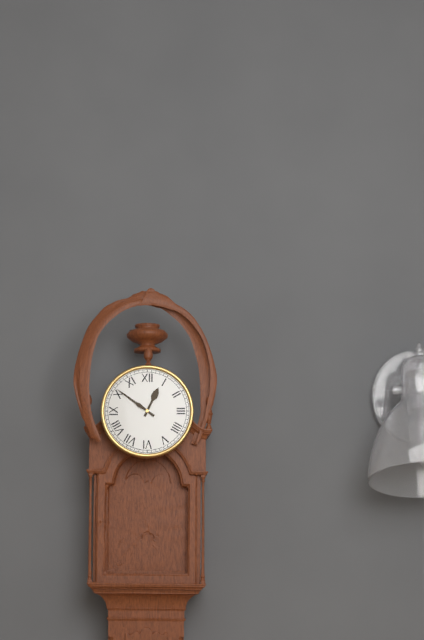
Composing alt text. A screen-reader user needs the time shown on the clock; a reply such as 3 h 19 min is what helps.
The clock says 12 h 51 min
